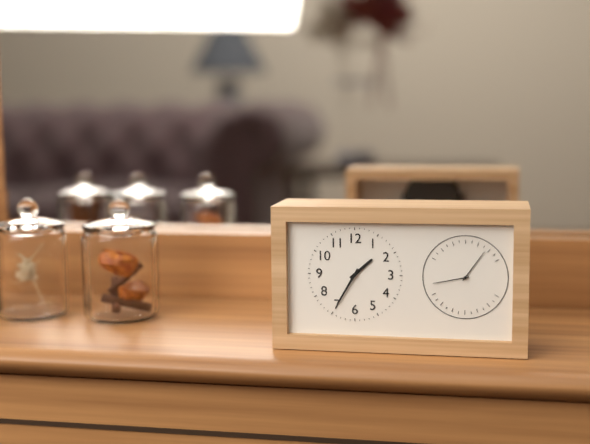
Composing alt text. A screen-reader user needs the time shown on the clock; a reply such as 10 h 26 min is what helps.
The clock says 1 h 35 min
